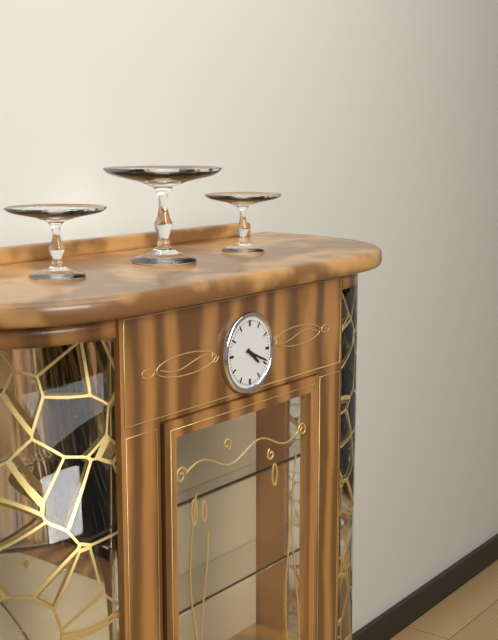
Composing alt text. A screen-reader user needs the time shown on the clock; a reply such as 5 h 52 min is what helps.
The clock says 4 h 19 min
